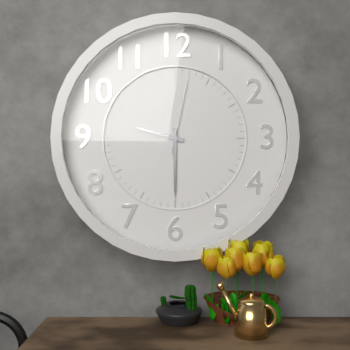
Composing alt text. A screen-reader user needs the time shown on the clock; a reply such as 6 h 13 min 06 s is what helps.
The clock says 9 h 30 min 02 s
